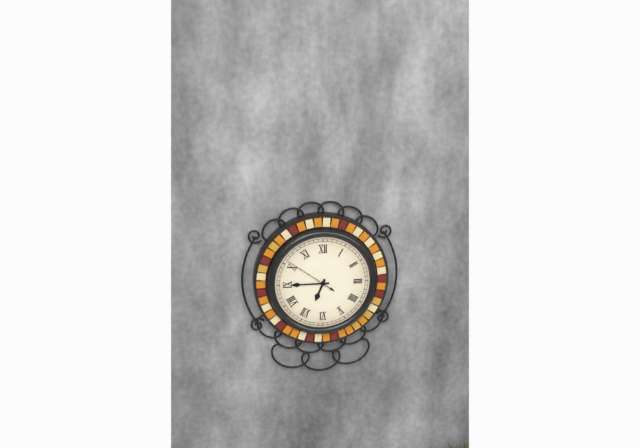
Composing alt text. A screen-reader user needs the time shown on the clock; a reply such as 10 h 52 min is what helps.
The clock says 6 h 45 min
